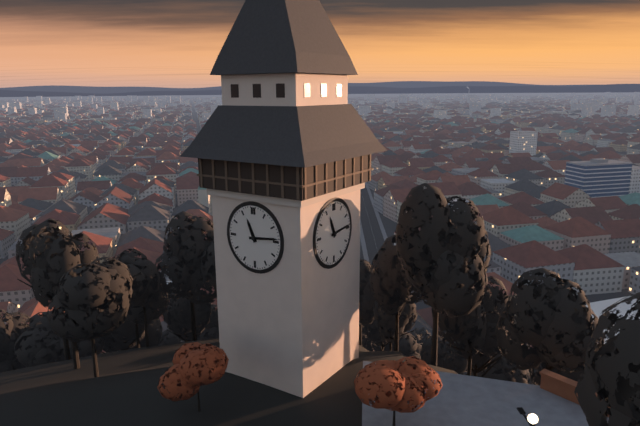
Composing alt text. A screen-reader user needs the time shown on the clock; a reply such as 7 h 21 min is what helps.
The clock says 11 h 14 min
